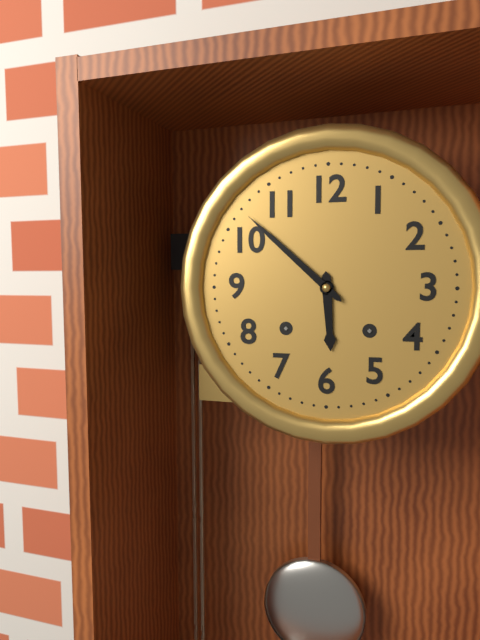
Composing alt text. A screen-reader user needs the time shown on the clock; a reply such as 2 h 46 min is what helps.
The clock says 5 h 52 min
